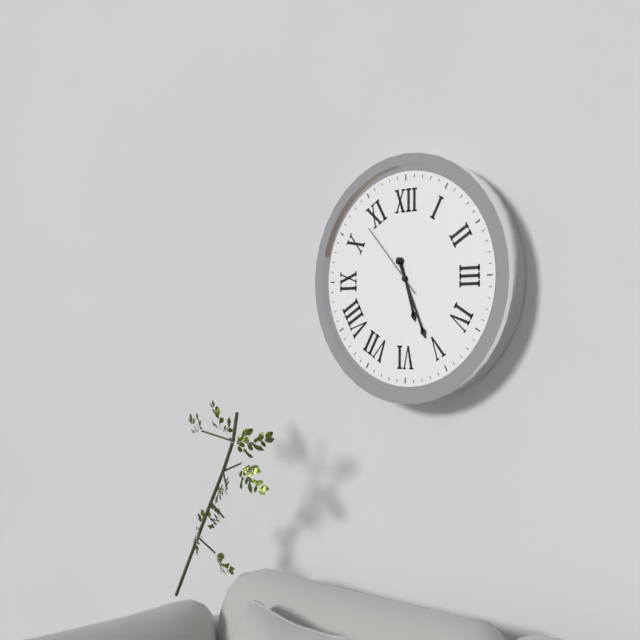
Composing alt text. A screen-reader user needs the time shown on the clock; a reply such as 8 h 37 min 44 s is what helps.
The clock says 5 h 26 min 53 s
